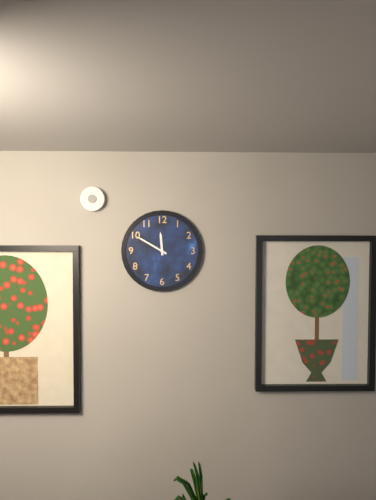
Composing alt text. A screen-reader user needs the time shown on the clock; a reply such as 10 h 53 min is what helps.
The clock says 11 h 50 min
